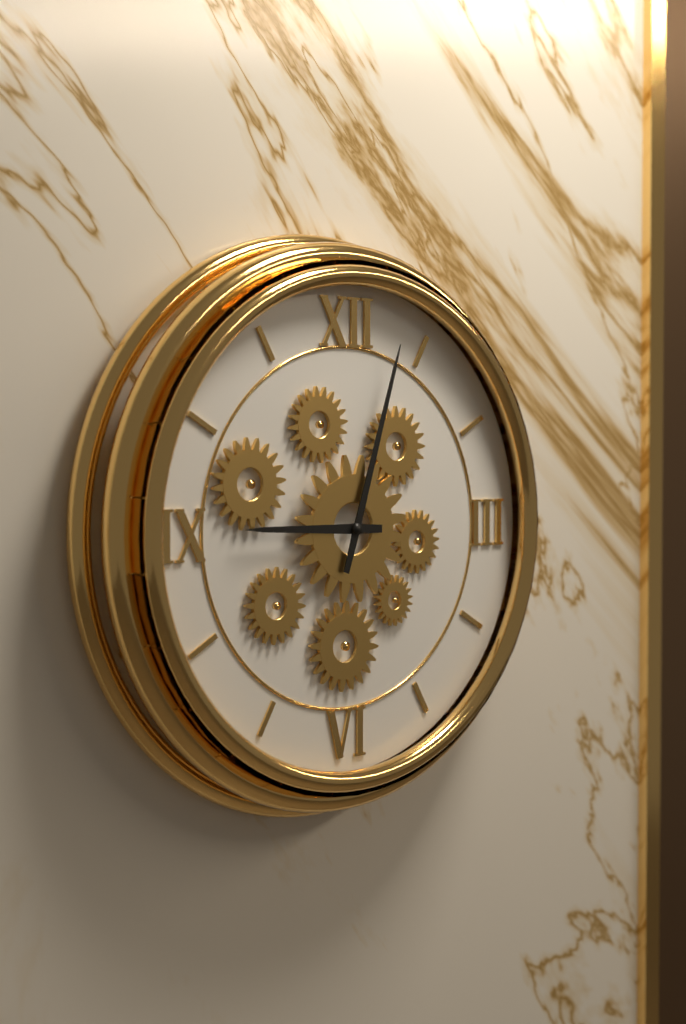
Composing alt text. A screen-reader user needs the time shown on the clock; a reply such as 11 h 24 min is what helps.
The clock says 9 h 03 min
